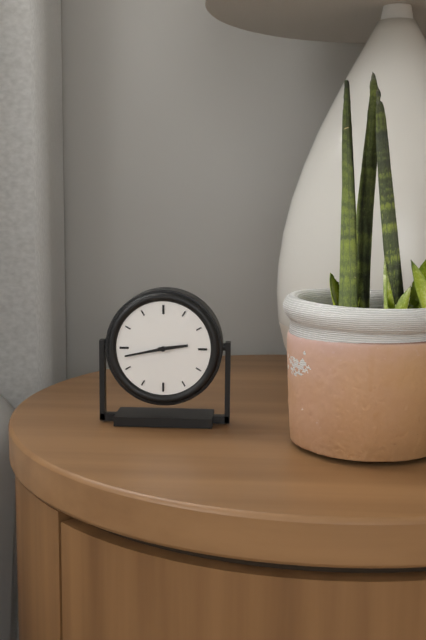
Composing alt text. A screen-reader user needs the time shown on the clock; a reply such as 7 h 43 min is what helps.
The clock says 2 h 43 min
